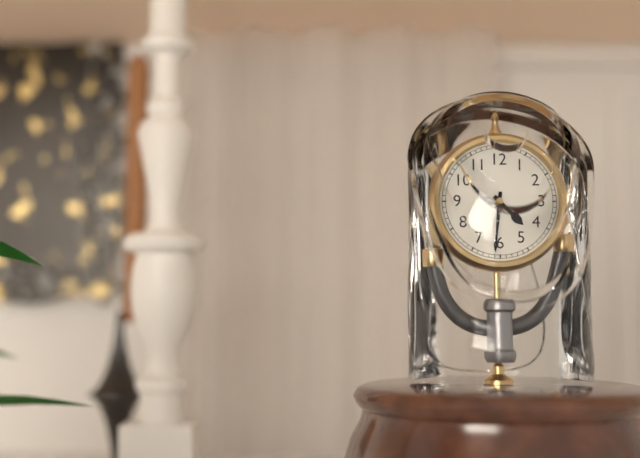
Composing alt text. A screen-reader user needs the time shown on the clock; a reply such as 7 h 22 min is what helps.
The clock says 4 h 31 min
